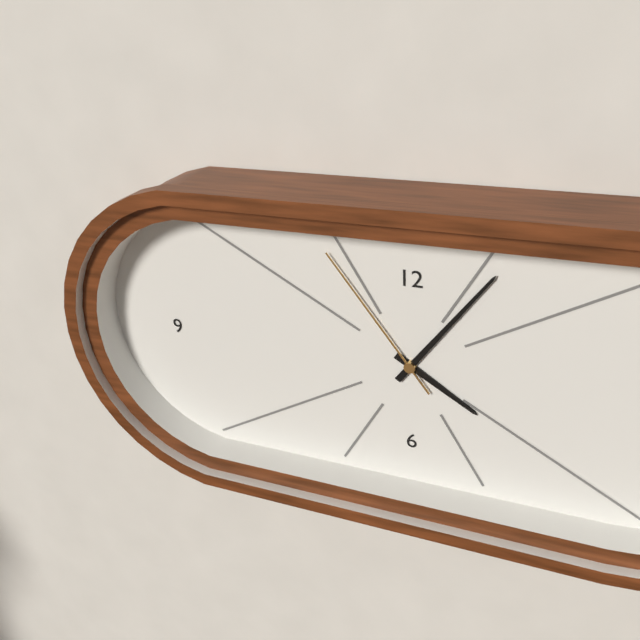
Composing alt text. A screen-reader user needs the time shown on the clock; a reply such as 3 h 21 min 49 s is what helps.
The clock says 4 h 06 min 54 s
